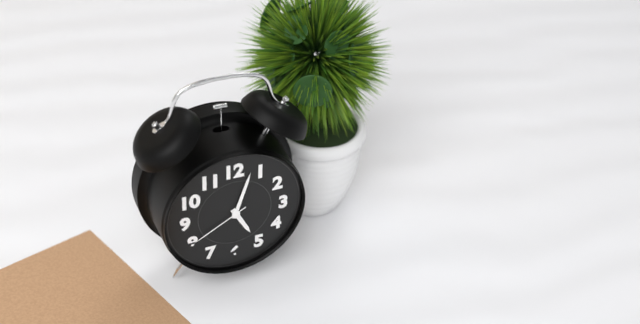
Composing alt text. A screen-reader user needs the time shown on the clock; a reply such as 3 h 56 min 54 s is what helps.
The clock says 5 h 03 min 40 s
